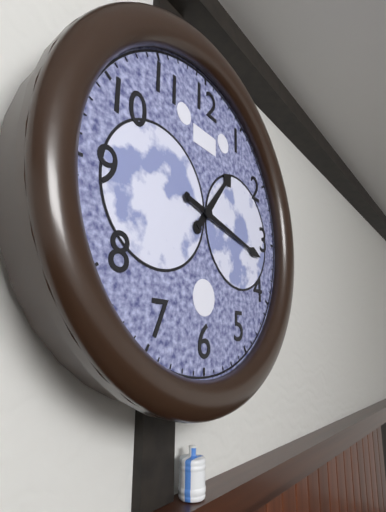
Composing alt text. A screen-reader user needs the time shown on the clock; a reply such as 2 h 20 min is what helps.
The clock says 1 h 17 min
